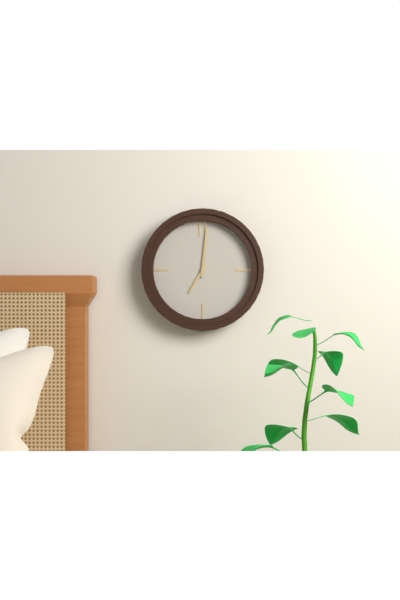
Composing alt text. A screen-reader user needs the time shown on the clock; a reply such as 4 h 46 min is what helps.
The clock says 7 h 01 min
